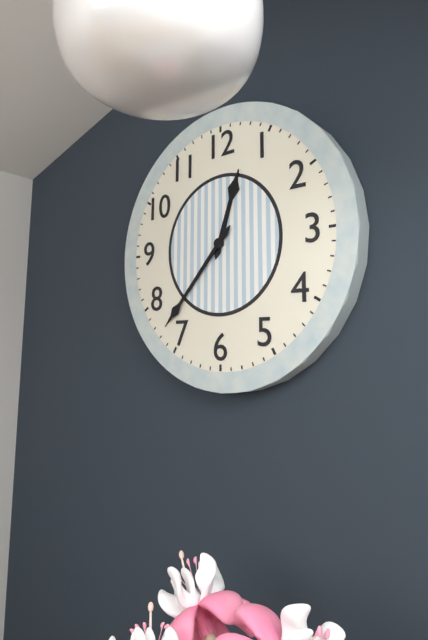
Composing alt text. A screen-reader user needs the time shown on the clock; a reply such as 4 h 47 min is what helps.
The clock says 12 h 37 min
